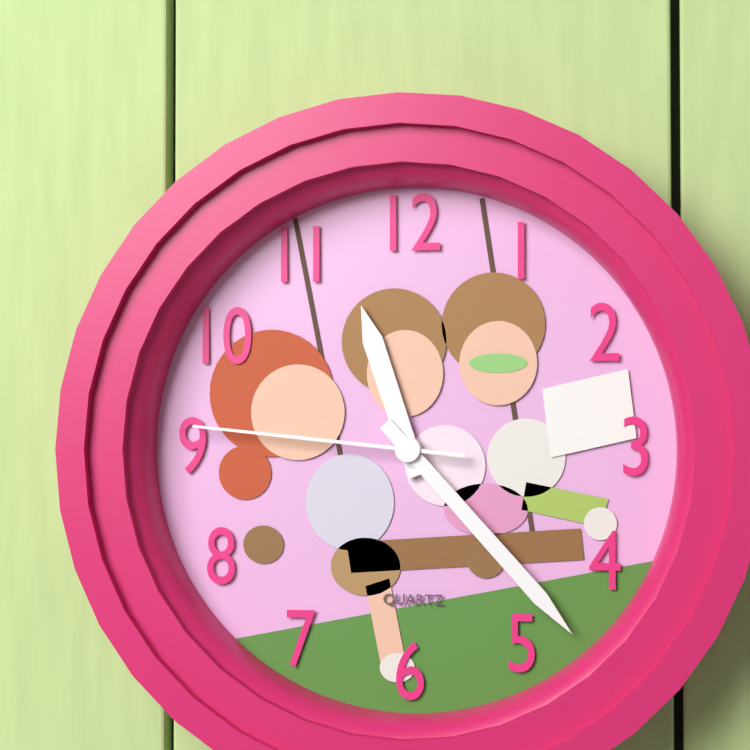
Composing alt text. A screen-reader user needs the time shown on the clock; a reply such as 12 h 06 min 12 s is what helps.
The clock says 11 h 23 min 46 s
